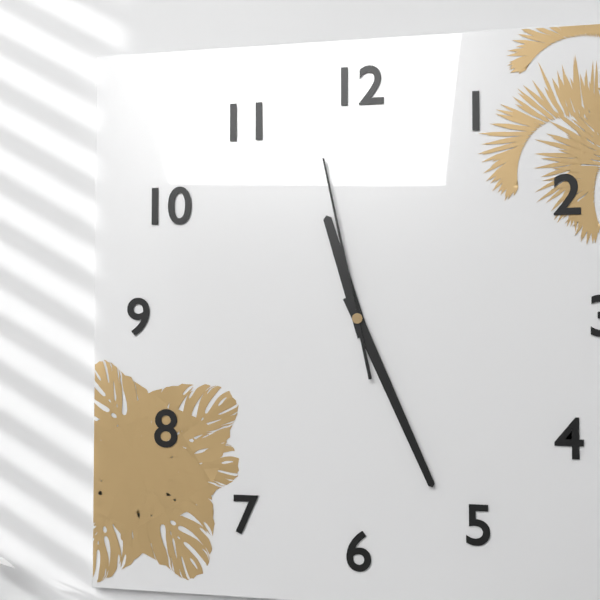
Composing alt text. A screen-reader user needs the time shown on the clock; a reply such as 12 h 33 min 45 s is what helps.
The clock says 11 h 26 min 58 s
